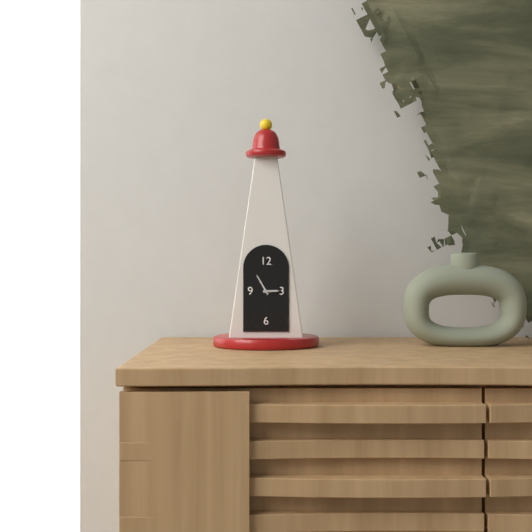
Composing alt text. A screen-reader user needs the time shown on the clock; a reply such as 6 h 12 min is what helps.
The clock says 2 h 55 min
